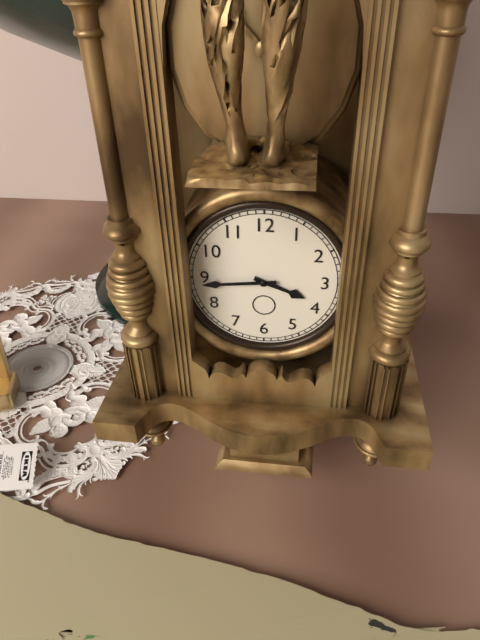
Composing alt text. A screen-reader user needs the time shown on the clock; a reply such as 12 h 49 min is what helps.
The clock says 3 h 44 min
